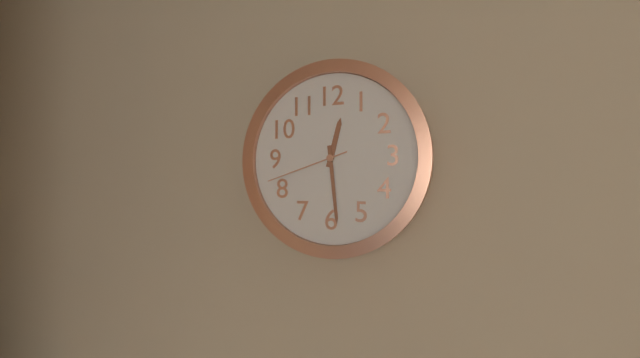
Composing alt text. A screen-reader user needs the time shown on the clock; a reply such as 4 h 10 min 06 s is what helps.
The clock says 12 h 29 min 42 s
